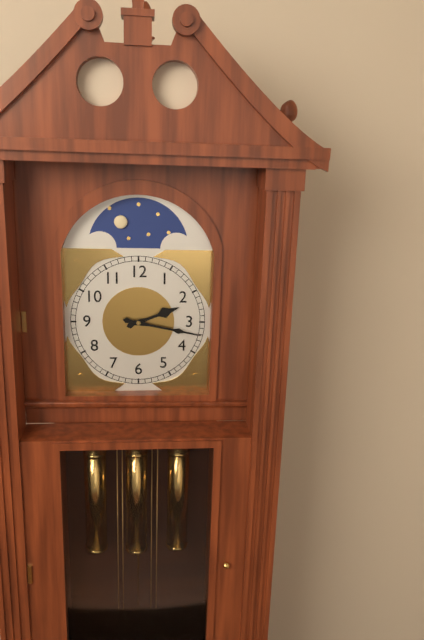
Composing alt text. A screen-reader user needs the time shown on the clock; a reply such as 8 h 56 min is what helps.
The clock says 2 h 17 min
